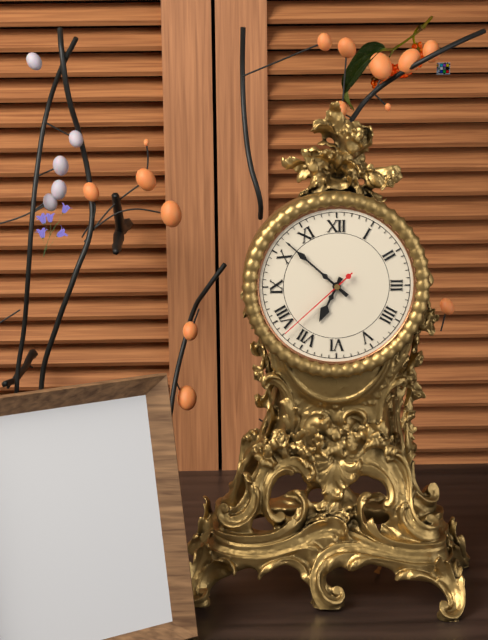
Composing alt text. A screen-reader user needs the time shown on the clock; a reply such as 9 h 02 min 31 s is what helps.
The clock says 6 h 52 min 38 s
